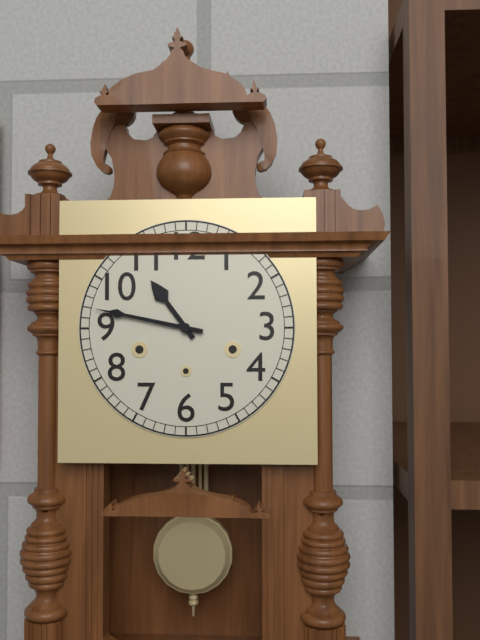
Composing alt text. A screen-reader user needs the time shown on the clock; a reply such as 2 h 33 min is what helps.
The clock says 10 h 47 min
